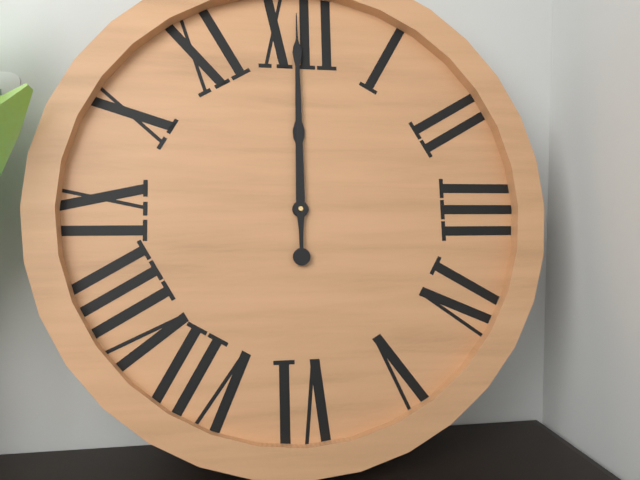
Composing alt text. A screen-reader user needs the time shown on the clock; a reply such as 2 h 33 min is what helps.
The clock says 12 h 00 min
